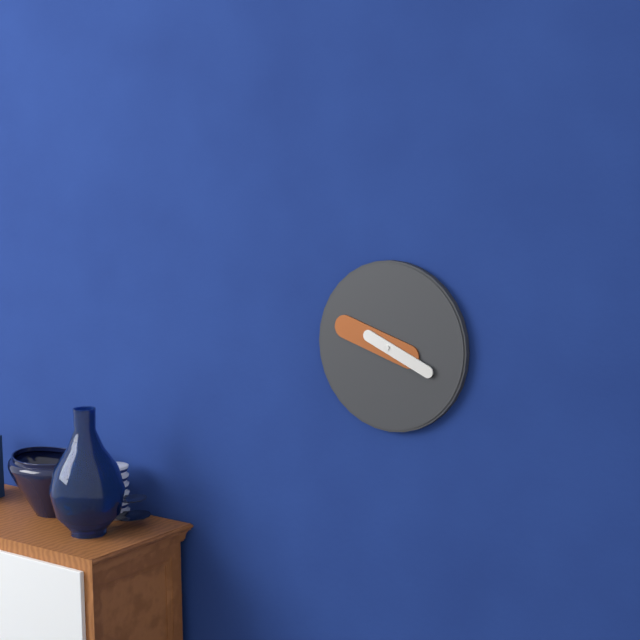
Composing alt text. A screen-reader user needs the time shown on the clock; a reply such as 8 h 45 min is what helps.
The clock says 3 h 48 min
